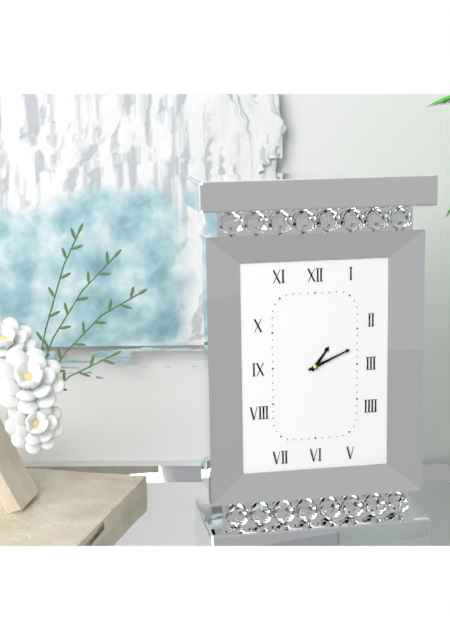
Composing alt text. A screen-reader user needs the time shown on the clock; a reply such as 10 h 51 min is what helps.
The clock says 1 h 11 min
